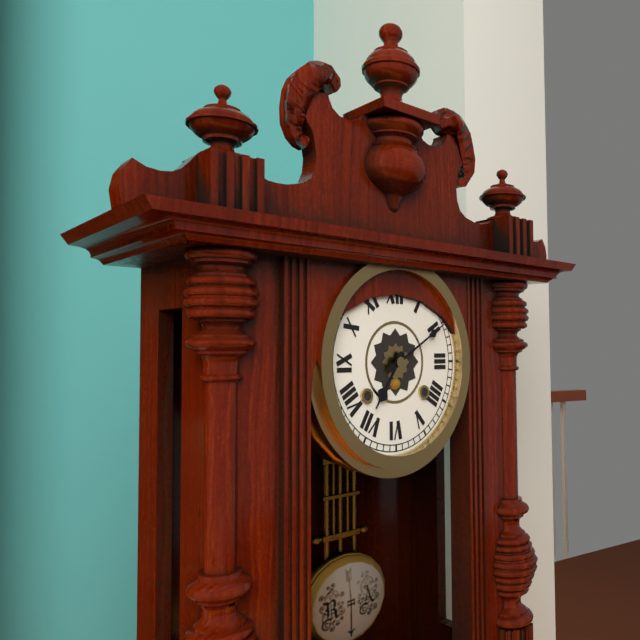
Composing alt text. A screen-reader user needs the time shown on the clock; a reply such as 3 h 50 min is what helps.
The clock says 7 h 10 min
